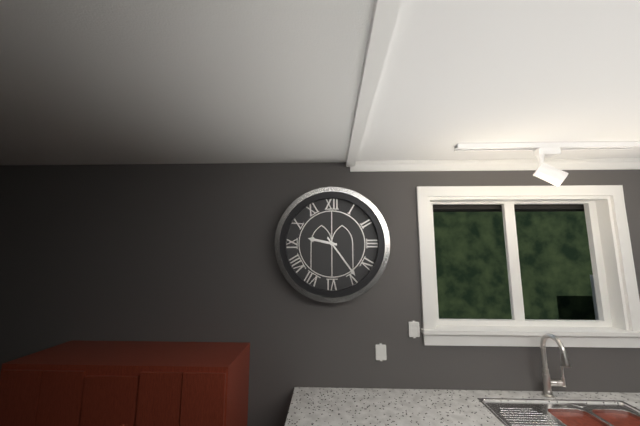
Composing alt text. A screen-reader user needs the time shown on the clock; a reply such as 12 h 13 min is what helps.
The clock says 9 h 24 min
